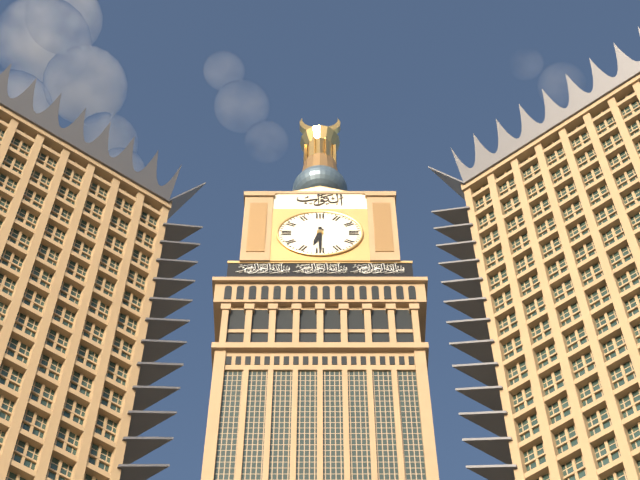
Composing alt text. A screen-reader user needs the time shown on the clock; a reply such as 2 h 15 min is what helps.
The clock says 6 h 30 min
